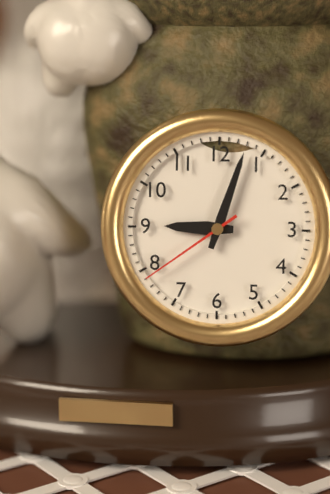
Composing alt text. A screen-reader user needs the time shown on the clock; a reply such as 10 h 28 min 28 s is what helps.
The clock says 9 h 03 min 39 s
